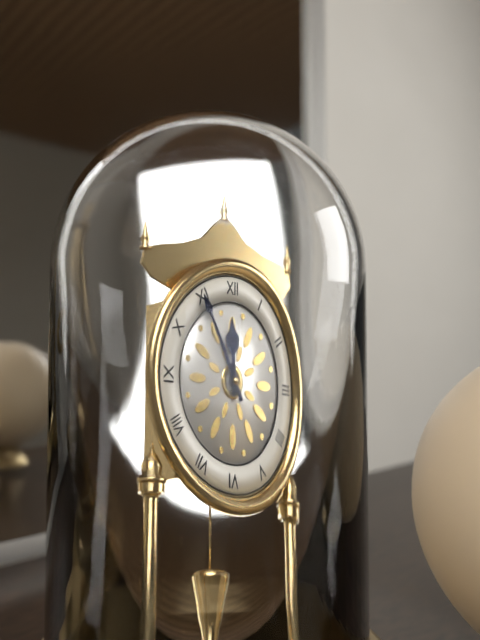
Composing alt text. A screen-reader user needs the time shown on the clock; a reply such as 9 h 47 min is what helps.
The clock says 11 h 55 min
